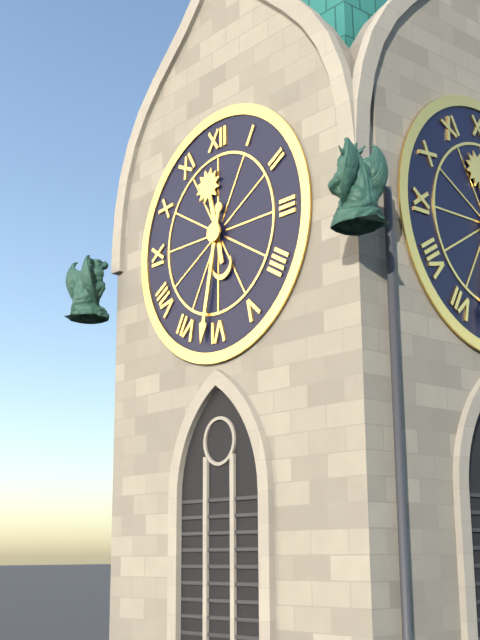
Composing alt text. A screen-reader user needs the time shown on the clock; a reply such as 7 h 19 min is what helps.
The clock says 11 h 32 min
